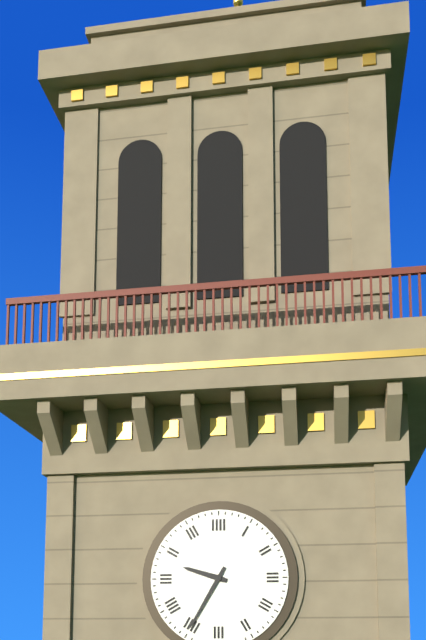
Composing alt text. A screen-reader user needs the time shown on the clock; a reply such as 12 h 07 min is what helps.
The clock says 9 h 35 min
